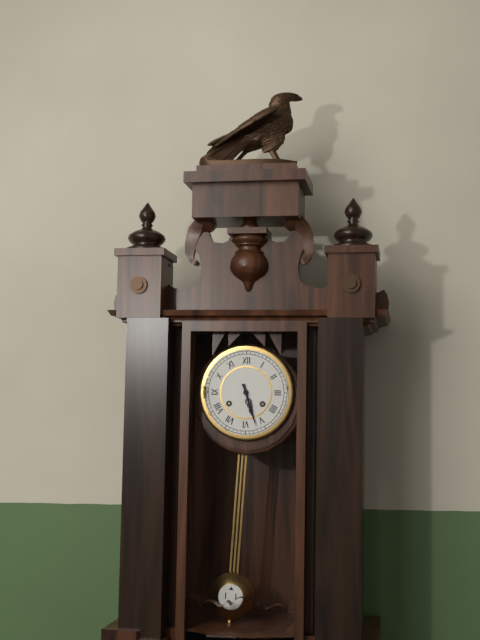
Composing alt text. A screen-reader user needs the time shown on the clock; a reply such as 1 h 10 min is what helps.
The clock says 5 h 27 min
